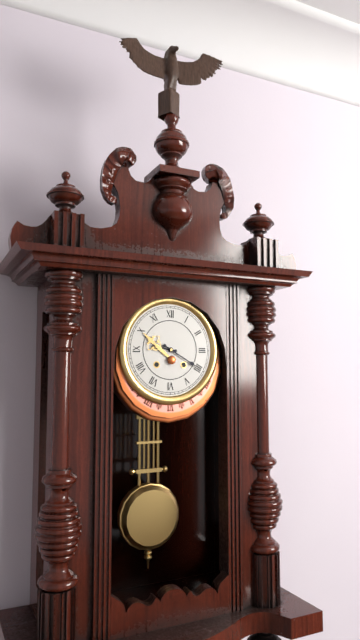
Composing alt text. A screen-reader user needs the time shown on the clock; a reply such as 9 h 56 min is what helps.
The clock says 9 h 20 min
